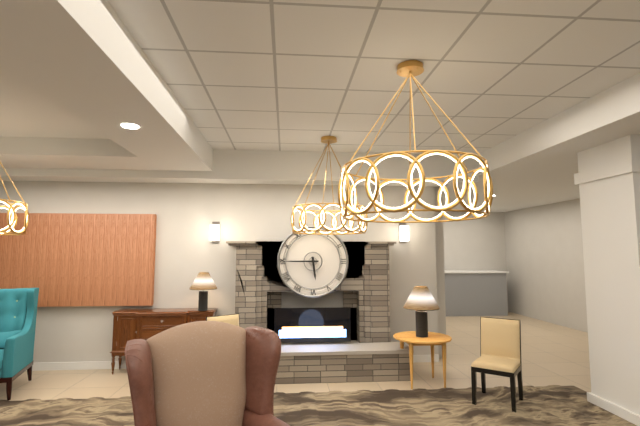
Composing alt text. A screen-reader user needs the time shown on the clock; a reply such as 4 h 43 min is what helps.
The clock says 5 h 45 min
